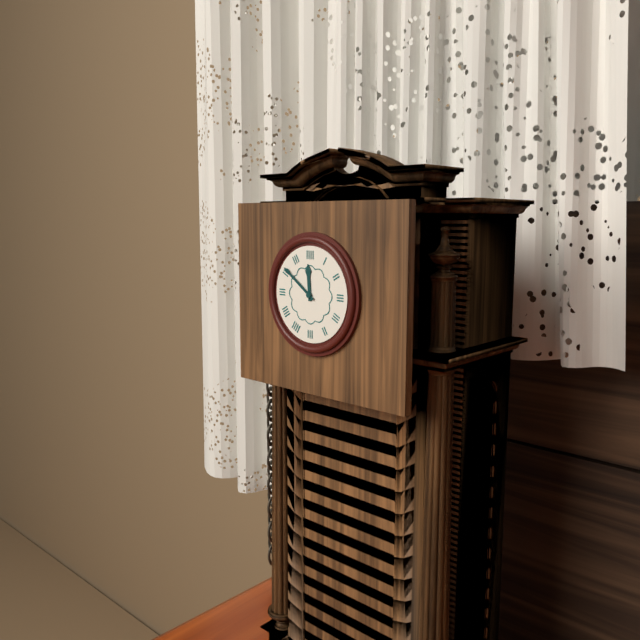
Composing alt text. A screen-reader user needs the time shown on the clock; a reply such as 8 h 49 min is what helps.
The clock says 11 h 51 min
